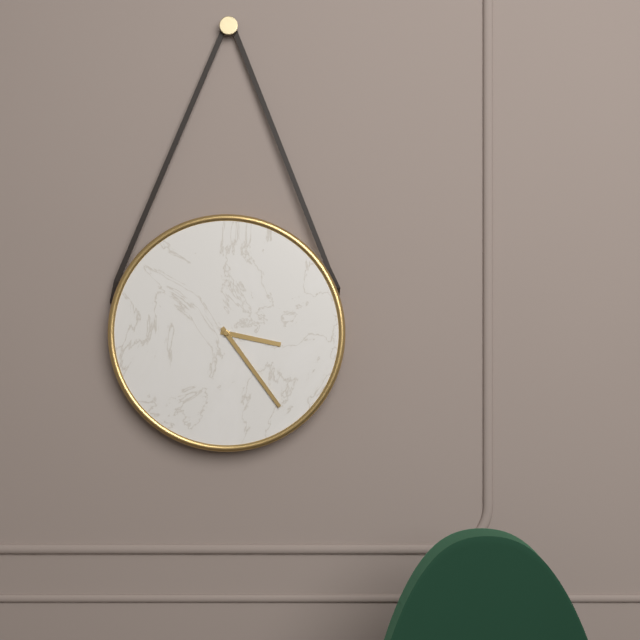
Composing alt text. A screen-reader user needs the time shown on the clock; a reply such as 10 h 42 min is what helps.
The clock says 3 h 24 min
